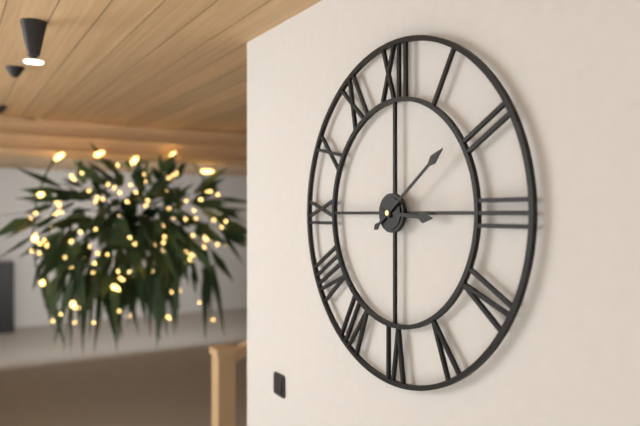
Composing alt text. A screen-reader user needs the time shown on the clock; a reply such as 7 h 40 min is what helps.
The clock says 3 h 09 min
